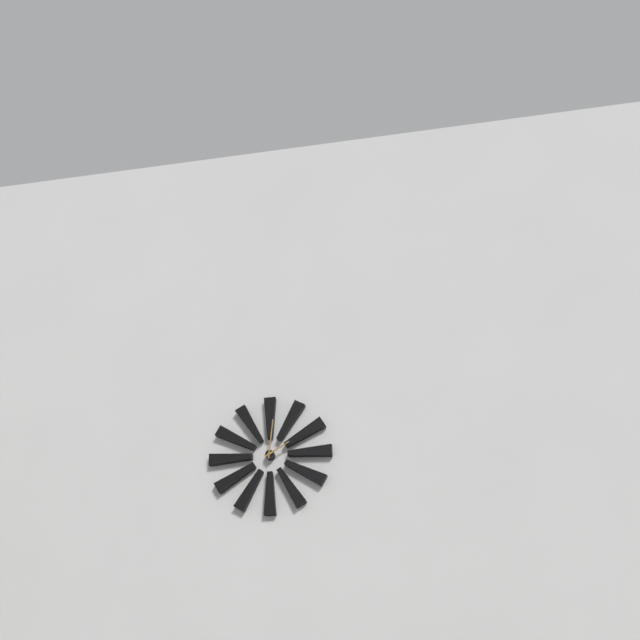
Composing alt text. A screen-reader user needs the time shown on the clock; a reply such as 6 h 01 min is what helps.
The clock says 2 h 01 min
